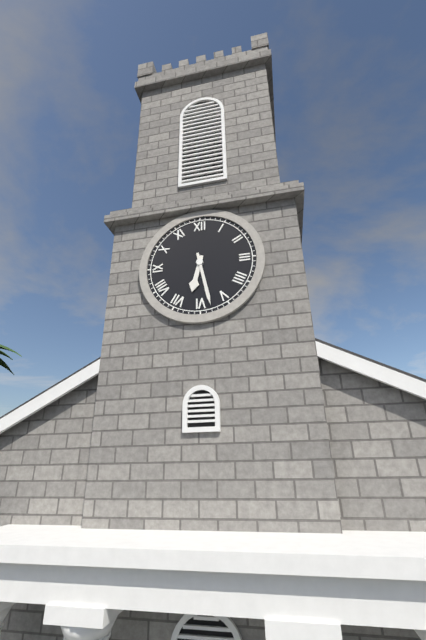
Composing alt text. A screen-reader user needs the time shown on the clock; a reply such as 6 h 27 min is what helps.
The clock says 6 h 28 min
